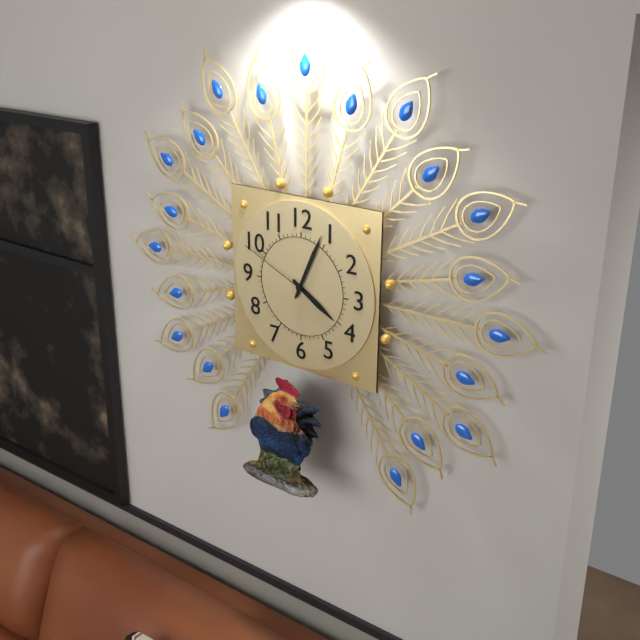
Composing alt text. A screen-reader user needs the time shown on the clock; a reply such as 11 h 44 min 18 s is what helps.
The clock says 4 h 04 min 49 s
